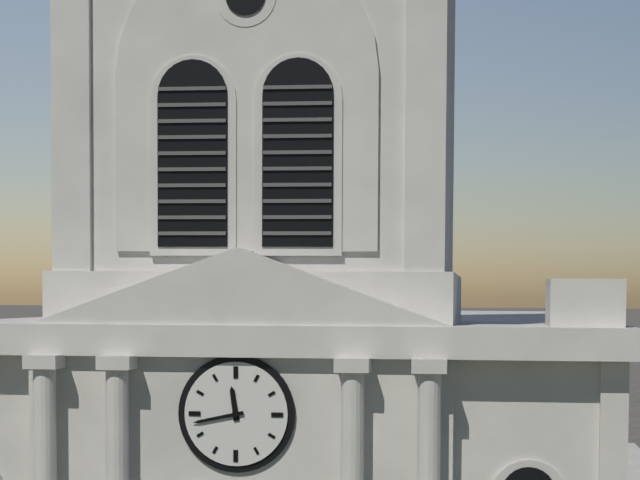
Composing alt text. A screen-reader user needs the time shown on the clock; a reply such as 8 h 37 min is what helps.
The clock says 11 h 43 min
